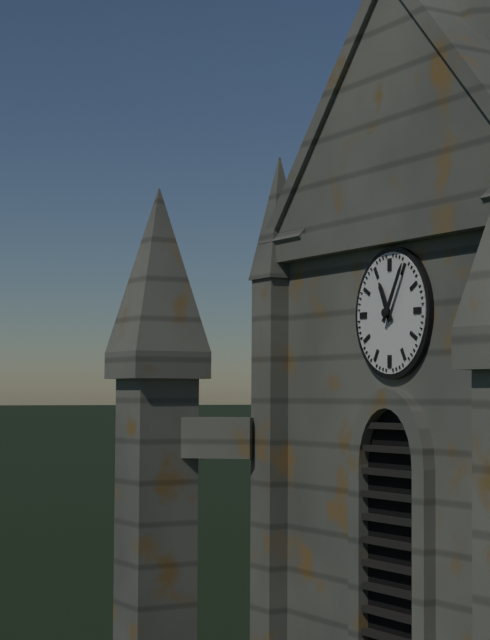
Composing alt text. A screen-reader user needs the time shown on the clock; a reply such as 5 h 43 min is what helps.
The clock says 11 h 05 min
